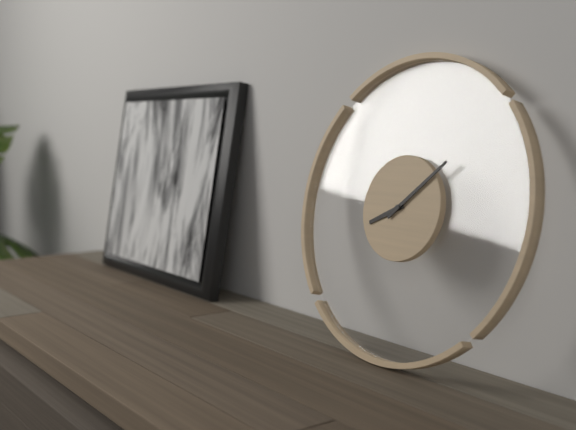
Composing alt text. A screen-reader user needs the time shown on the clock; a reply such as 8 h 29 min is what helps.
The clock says 8 h 08 min
